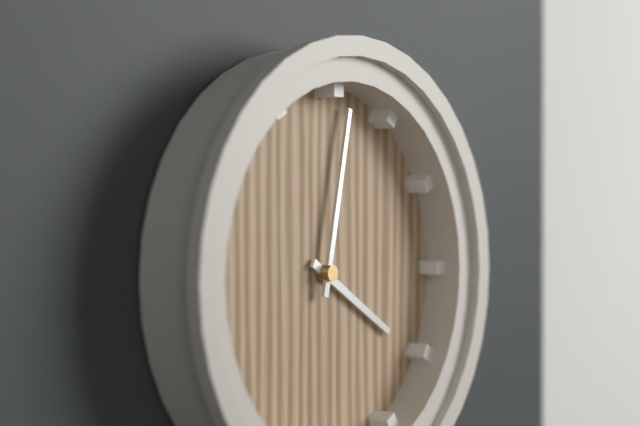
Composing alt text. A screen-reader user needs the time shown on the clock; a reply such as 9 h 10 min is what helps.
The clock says 4 h 02 min
